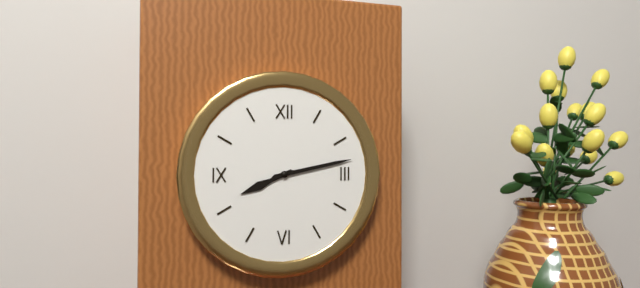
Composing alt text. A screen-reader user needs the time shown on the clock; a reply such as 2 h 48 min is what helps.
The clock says 8 h 13 min
